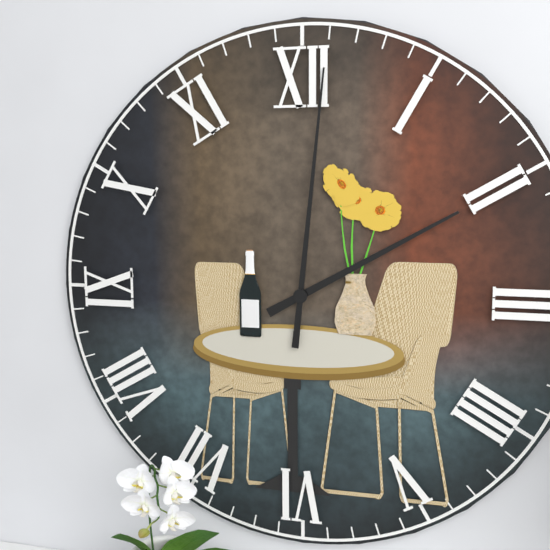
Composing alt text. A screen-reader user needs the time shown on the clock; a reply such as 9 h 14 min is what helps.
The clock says 2 h 01 min
